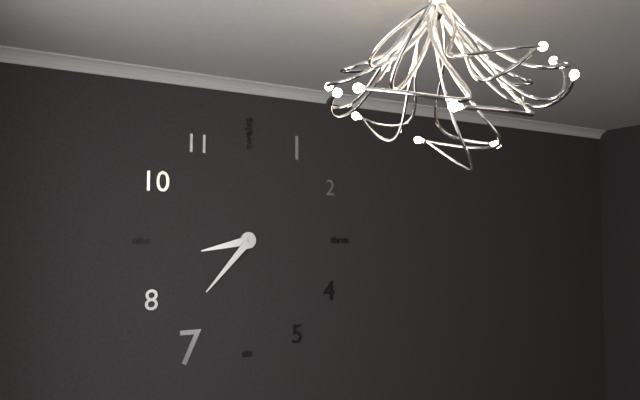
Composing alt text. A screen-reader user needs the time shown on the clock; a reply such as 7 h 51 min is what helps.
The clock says 8 h 37 min
